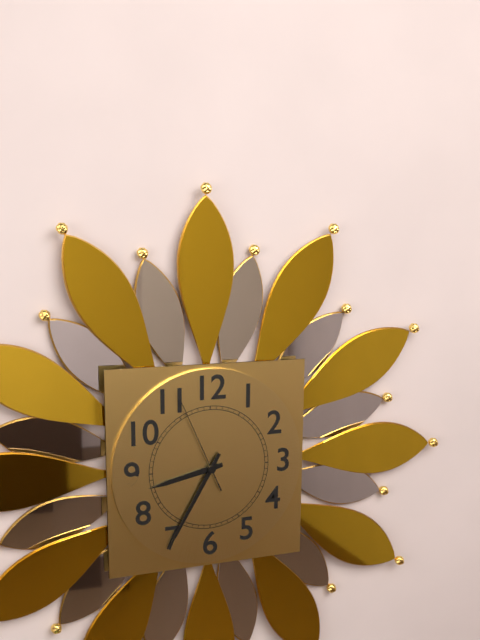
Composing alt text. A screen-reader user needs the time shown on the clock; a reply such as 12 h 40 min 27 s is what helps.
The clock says 8 h 35 min 56 s
